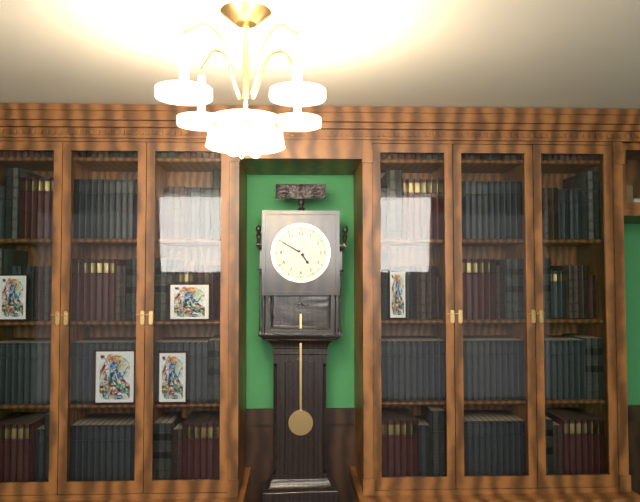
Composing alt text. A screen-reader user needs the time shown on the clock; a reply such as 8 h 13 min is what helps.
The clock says 4 h 50 min
